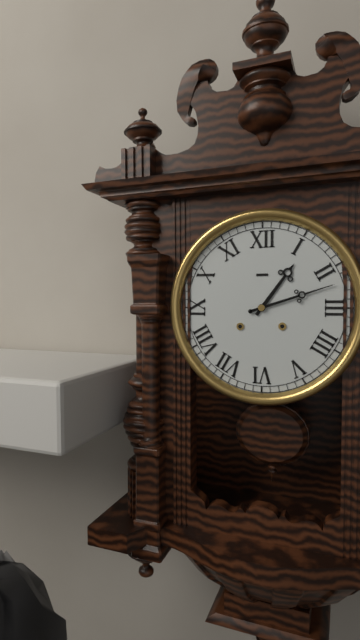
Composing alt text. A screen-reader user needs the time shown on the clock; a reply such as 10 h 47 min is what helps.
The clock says 1 h 12 min
